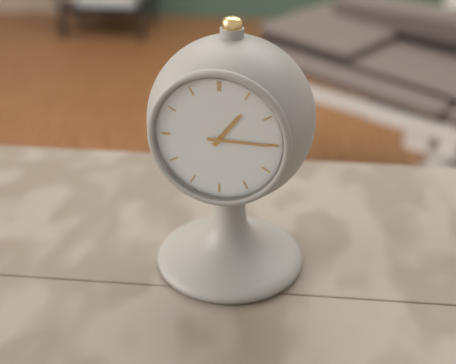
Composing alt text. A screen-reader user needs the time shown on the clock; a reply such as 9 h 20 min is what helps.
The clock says 1 h 15 min
